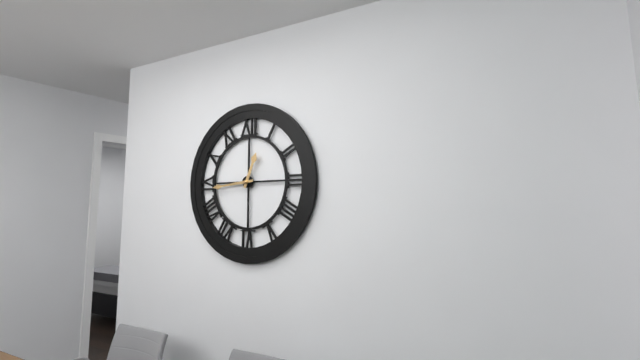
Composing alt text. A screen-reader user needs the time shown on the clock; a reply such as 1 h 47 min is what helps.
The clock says 12 h 44 min
